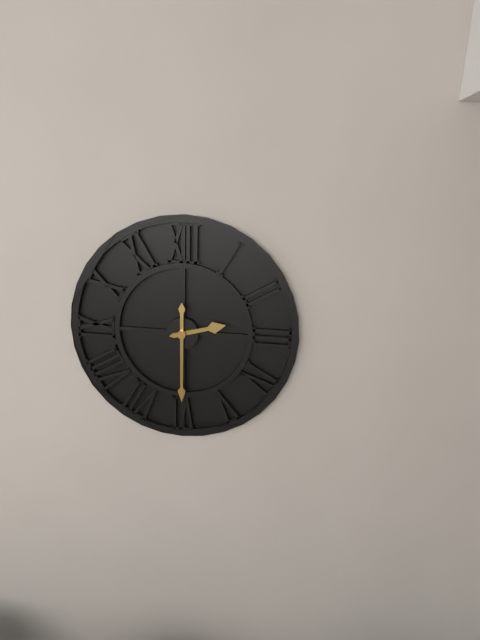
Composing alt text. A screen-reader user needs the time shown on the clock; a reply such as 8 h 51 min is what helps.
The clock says 2 h 30 min
